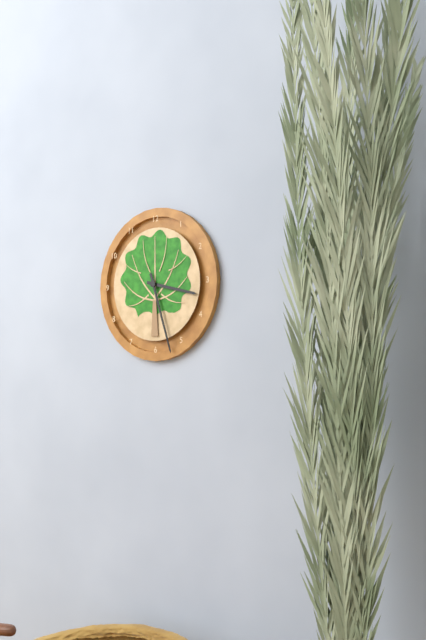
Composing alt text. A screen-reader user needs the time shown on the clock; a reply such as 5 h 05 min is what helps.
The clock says 3 h 27 min
